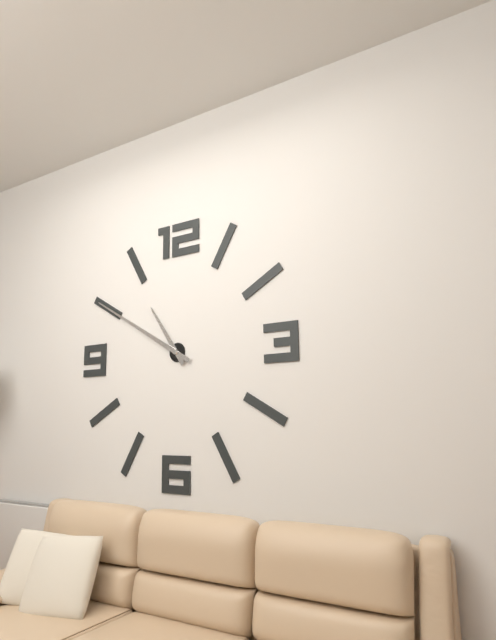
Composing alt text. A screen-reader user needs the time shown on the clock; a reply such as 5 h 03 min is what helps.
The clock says 10 h 50 min
